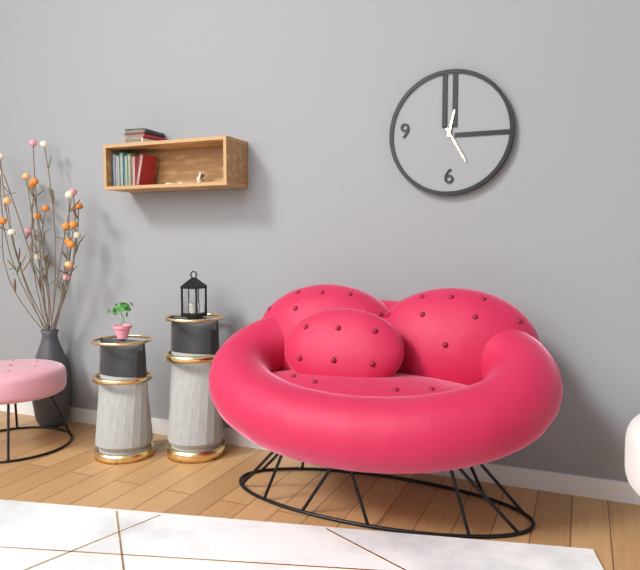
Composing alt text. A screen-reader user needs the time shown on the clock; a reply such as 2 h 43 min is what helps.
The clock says 12 h 25 min
